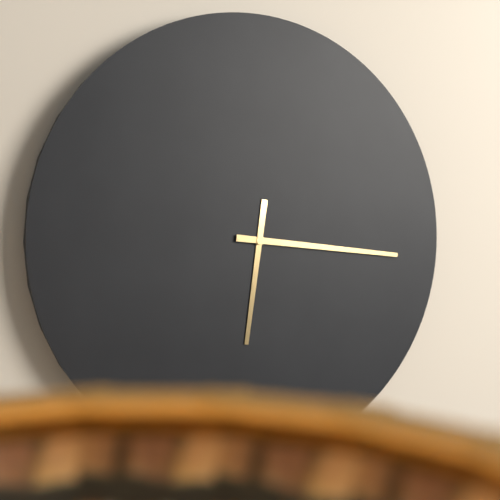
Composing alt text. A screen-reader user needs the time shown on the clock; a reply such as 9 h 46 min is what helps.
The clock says 6 h 16 min
